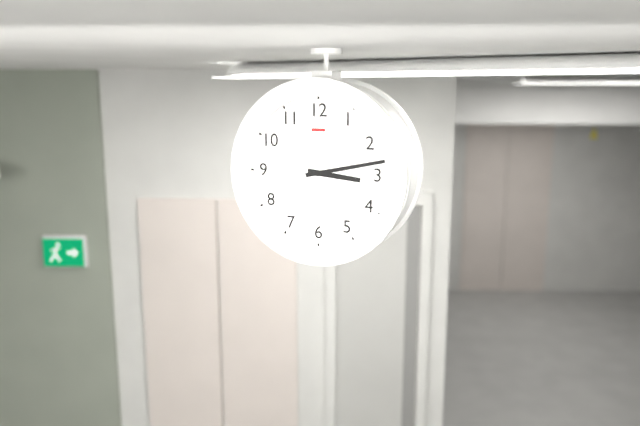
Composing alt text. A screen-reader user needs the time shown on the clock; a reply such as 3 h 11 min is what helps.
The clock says 3 h 13 min
